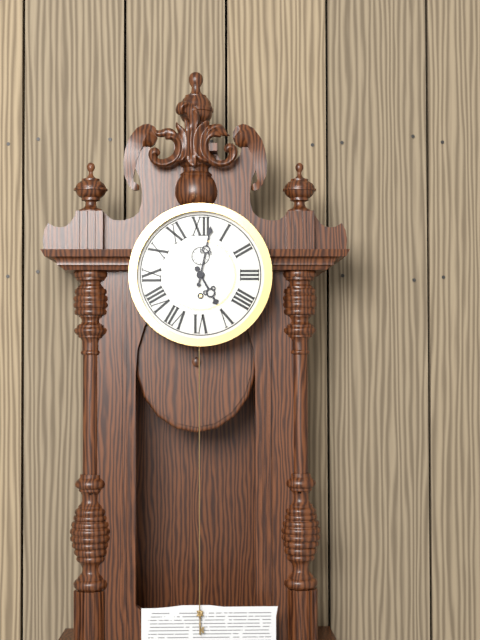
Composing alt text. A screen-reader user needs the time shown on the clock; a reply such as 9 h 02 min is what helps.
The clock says 5 h 02 min
